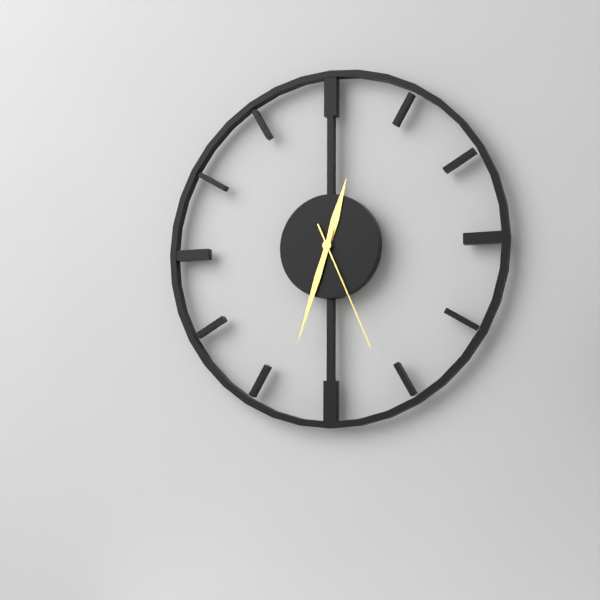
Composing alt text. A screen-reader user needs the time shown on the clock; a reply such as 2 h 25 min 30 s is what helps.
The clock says 12 h 33 min 26 s
